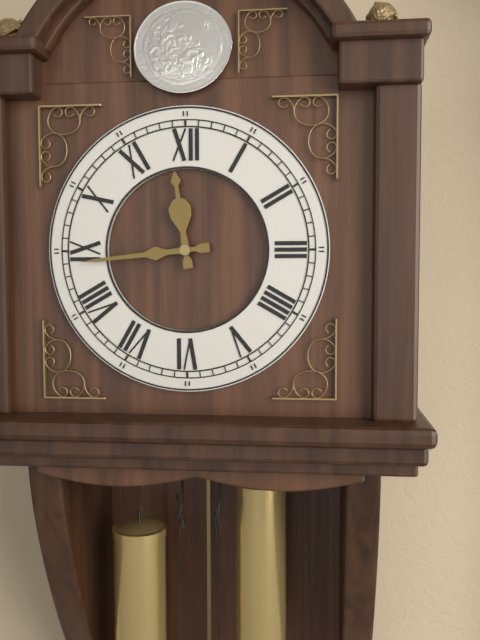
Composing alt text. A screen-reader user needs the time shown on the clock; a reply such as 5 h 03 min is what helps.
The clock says 11 h 44 min
